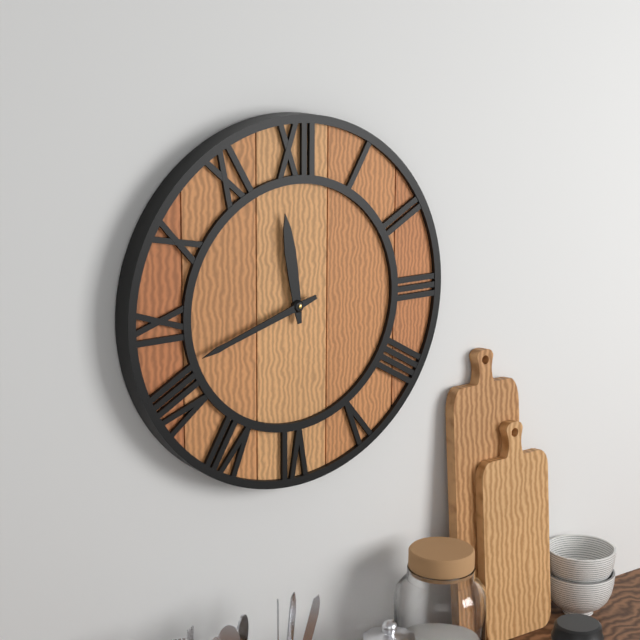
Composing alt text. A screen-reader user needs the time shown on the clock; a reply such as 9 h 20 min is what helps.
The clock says 11 h 42 min
